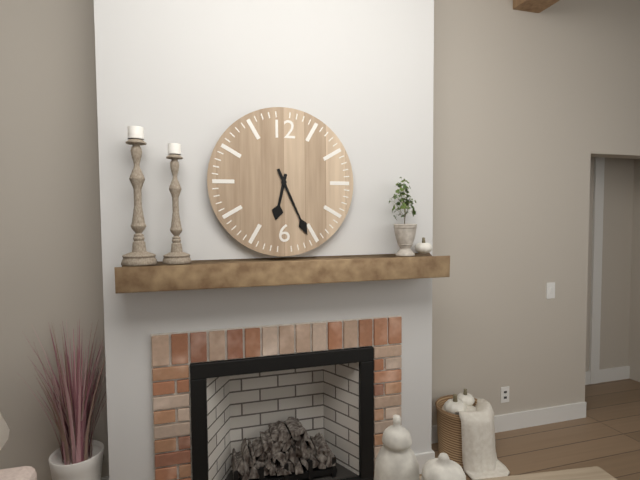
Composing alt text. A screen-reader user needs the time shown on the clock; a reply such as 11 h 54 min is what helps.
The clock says 6 h 26 min
